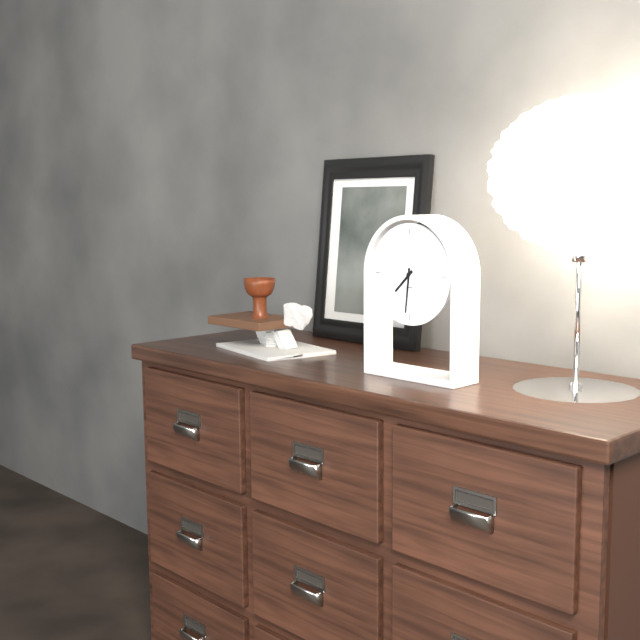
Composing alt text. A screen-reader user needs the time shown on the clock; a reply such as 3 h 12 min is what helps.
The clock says 7 h 31 min
